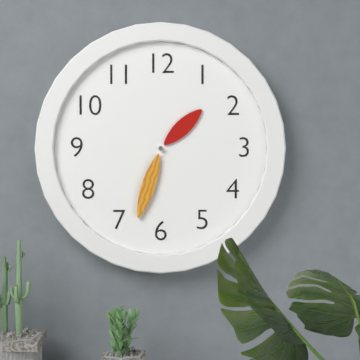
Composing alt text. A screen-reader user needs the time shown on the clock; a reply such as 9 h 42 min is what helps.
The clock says 1 h 33 min
